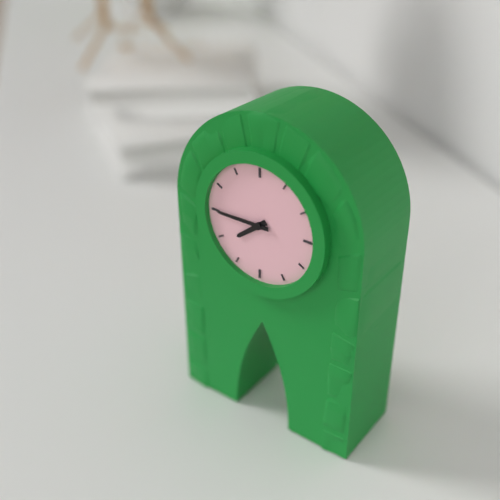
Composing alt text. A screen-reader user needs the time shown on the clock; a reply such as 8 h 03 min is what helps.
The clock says 7 h 45 min
